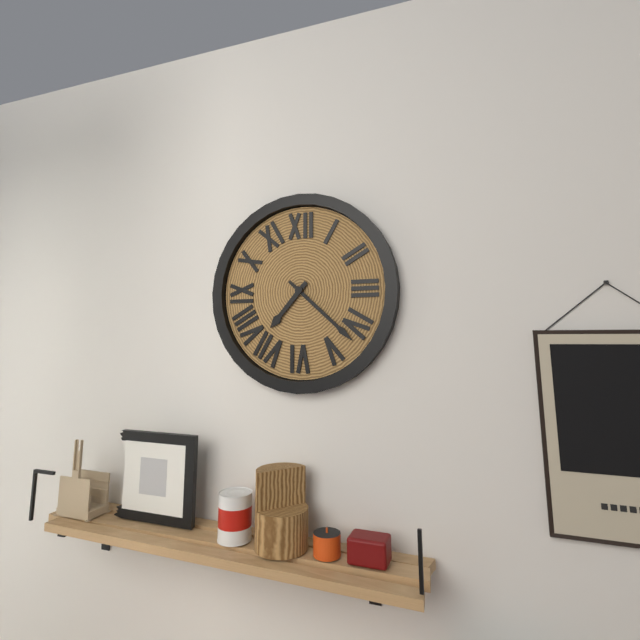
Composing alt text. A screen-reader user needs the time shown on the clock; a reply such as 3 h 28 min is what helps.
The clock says 7 h 22 min
